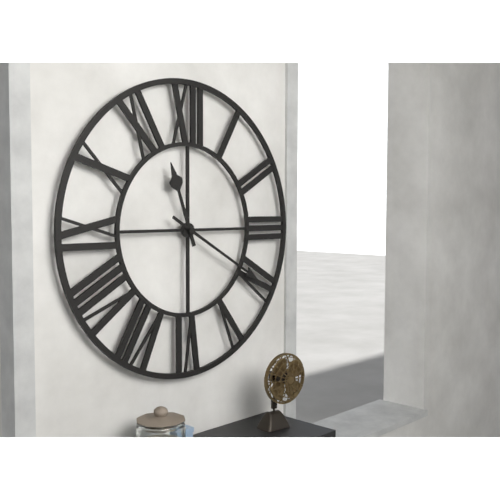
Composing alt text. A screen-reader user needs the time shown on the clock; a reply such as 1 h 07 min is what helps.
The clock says 11 h 20 min
